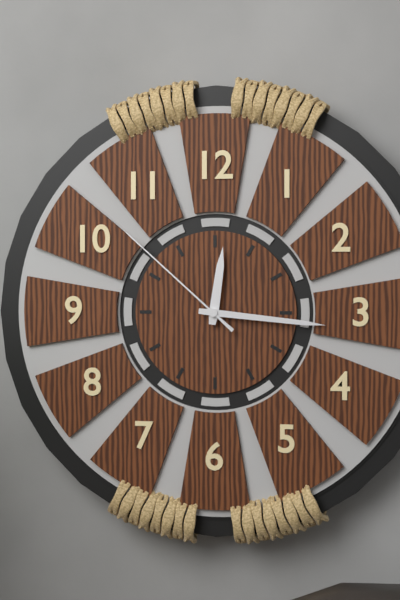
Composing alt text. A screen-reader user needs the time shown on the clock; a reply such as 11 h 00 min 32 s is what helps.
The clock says 12 h 16 min 52 s
